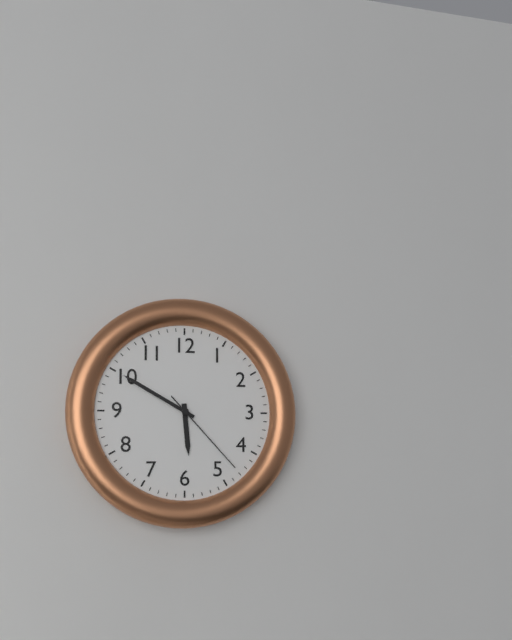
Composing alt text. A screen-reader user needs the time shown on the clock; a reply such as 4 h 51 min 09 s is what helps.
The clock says 5 h 50 min 23 s
